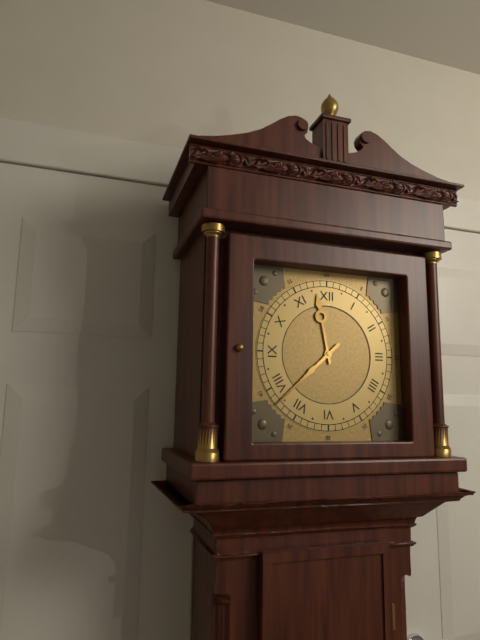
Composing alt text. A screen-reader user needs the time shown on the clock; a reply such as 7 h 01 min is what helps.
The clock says 11 h 38 min
